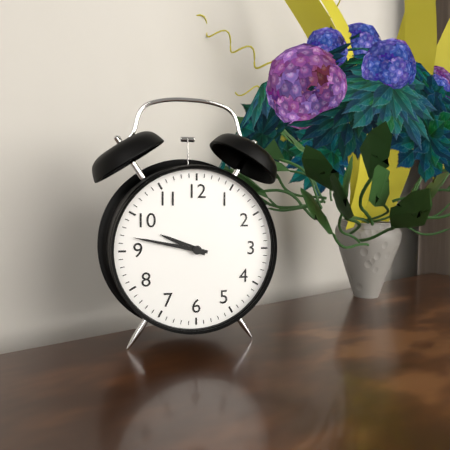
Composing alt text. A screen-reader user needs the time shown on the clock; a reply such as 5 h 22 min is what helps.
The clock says 9 h 47 min
